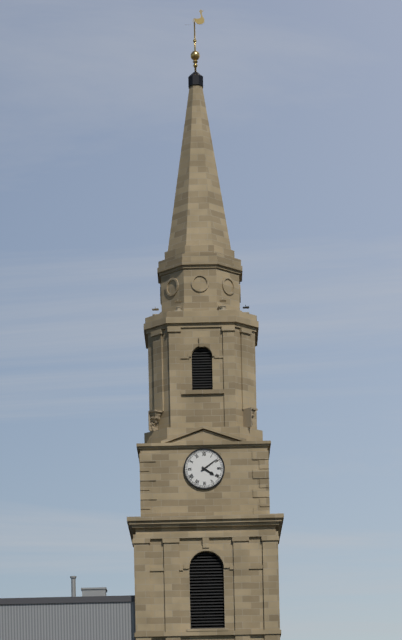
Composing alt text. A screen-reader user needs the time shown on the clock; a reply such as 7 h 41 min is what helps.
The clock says 4 h 09 min
